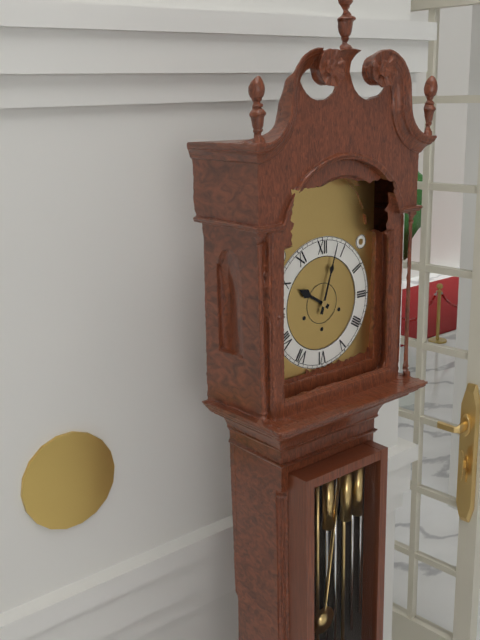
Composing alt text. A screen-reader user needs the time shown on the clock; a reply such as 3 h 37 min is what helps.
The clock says 10 h 03 min
